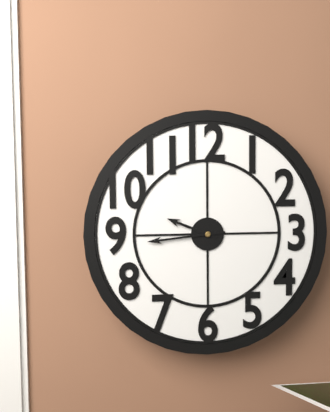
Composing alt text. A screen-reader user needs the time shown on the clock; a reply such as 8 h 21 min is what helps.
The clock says 9 h 44 min
